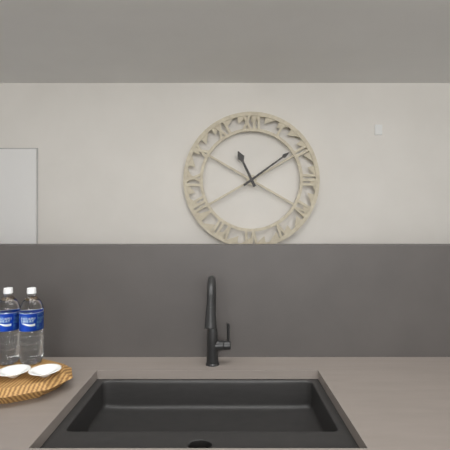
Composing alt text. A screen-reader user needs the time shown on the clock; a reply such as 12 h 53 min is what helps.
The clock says 11 h 09 min
